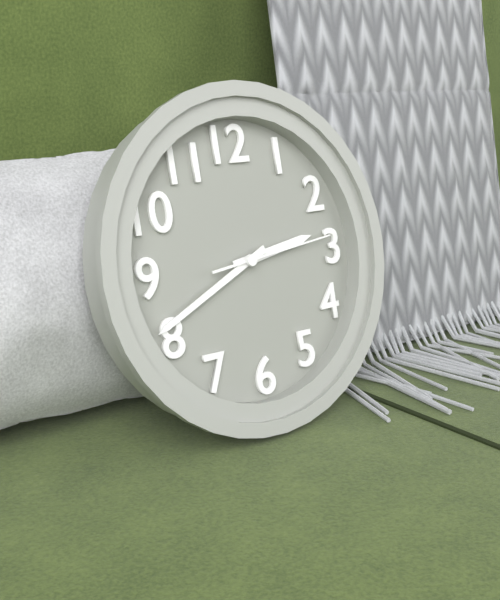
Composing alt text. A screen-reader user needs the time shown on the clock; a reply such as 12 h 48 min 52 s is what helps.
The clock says 2 h 41 min 14 s
